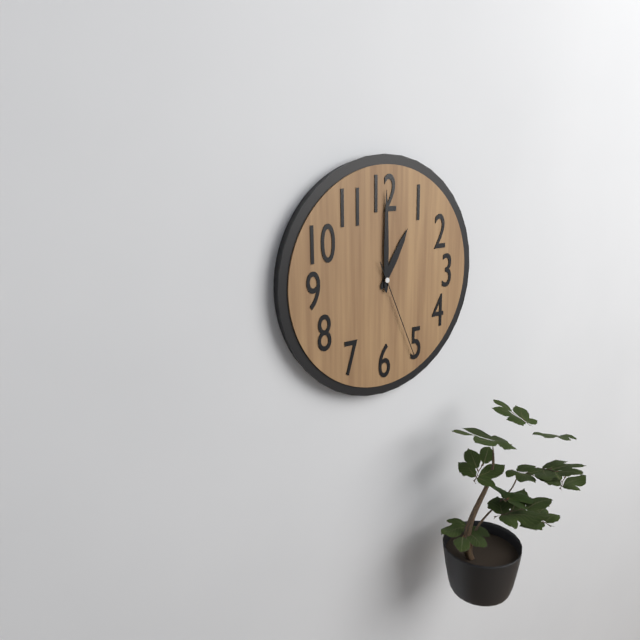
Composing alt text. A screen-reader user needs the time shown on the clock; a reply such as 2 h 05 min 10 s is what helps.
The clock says 1 h 00 min 26 s
